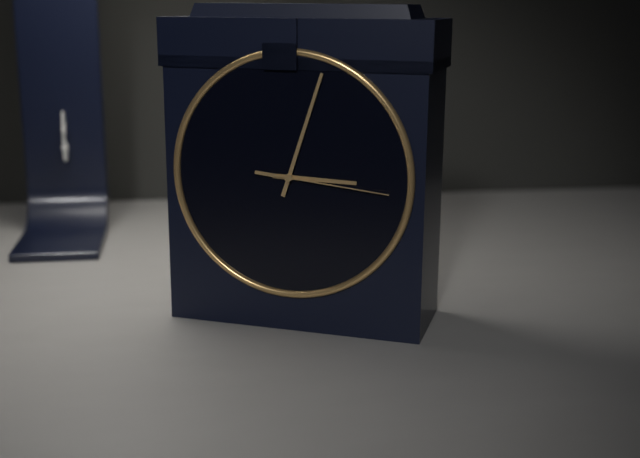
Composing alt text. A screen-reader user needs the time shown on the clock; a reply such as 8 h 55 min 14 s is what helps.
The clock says 3 h 03 min 16 s
